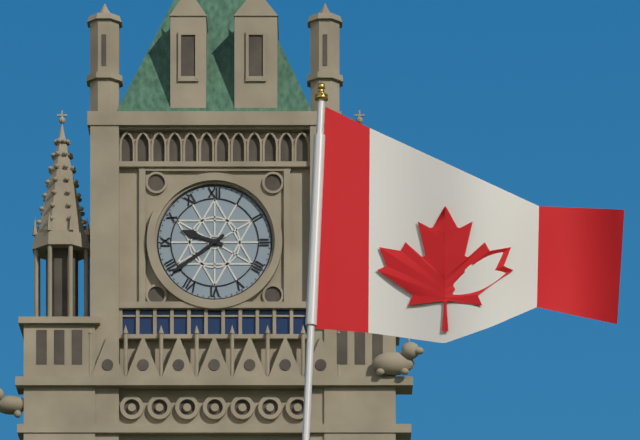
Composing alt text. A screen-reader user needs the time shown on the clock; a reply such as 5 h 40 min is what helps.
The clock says 9 h 39 min
